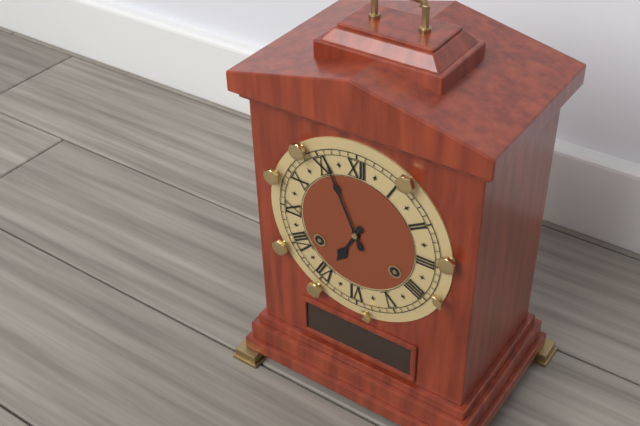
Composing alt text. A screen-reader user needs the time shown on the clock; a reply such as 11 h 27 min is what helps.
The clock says 6 h 56 min
